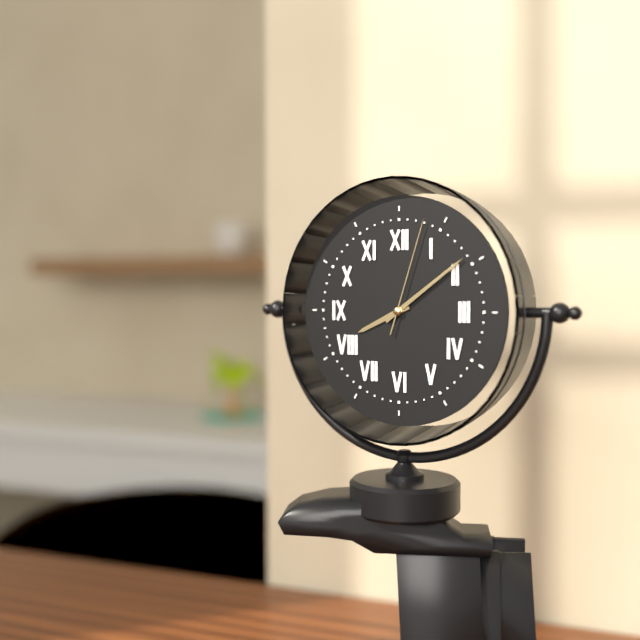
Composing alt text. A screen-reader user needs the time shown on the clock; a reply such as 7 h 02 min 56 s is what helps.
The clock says 8 h 09 min 03 s
